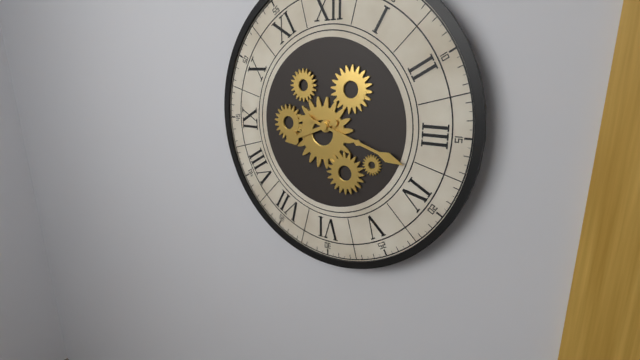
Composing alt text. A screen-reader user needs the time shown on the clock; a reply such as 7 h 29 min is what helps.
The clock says 8 h 18 min
